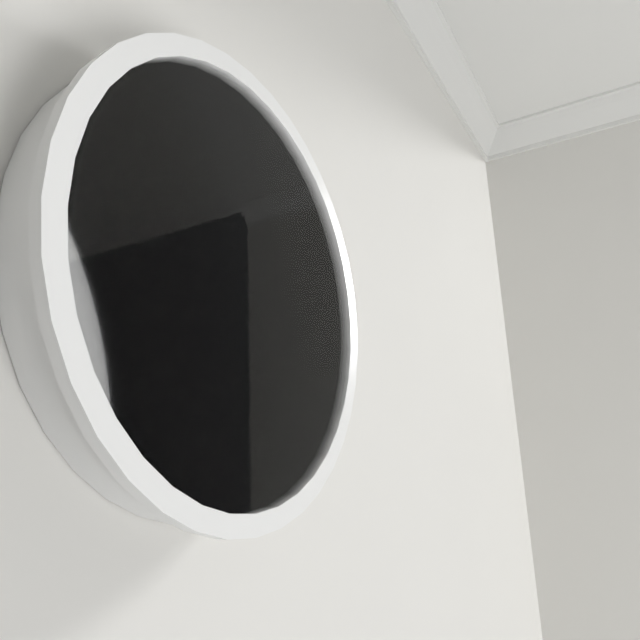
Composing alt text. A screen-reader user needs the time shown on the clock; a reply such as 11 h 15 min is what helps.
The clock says 11 h 21 min
